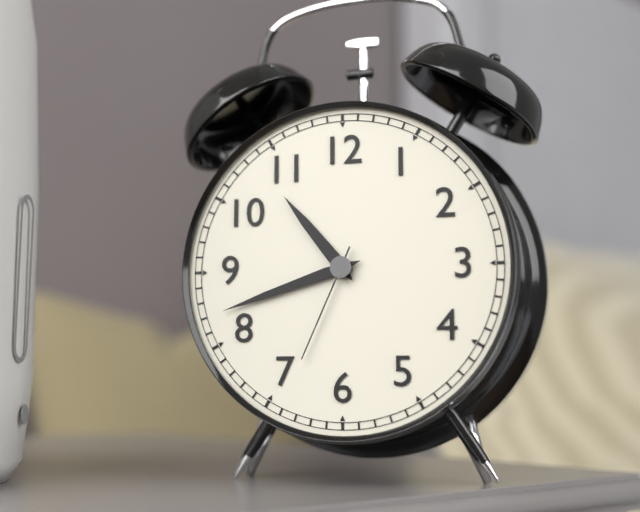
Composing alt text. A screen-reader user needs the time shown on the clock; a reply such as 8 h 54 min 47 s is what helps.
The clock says 10 h 42 min 34 s
